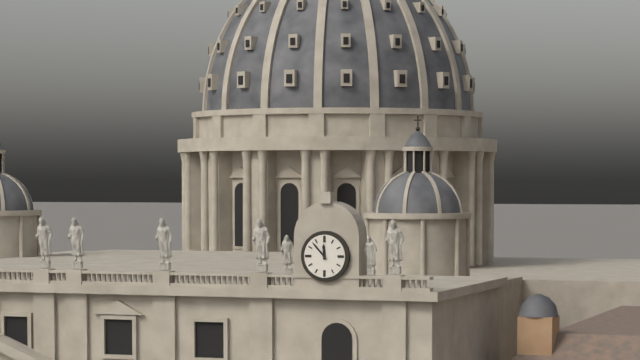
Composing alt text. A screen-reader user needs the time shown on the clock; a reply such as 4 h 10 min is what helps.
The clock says 11 h 53 min
